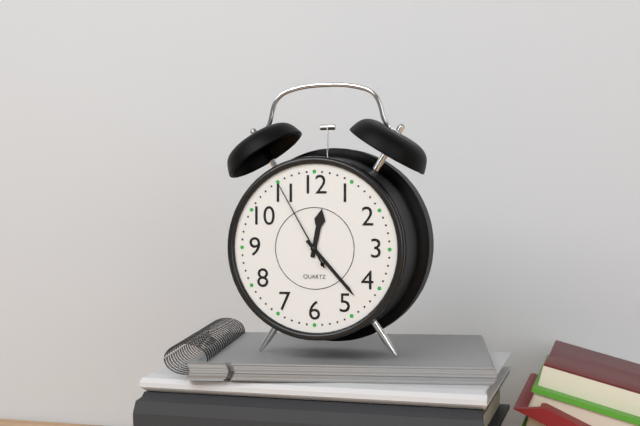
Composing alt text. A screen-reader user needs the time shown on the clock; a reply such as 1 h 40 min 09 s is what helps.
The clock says 12 h 23 min 55 s
